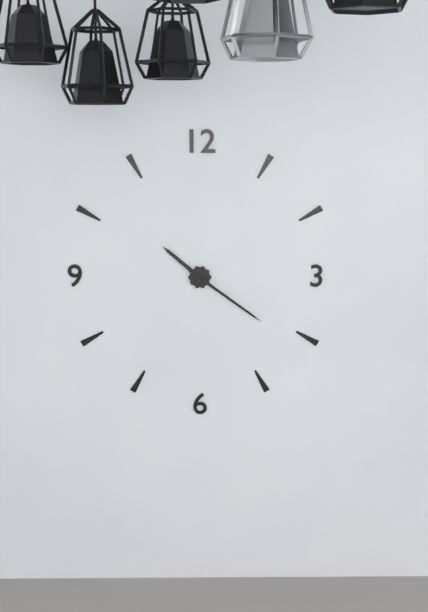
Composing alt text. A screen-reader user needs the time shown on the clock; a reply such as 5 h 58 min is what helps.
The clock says 10 h 21 min
